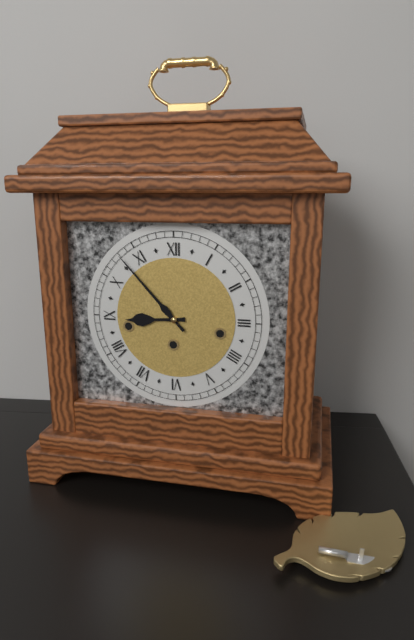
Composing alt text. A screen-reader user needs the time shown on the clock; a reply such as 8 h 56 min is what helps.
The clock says 8 h 53 min
